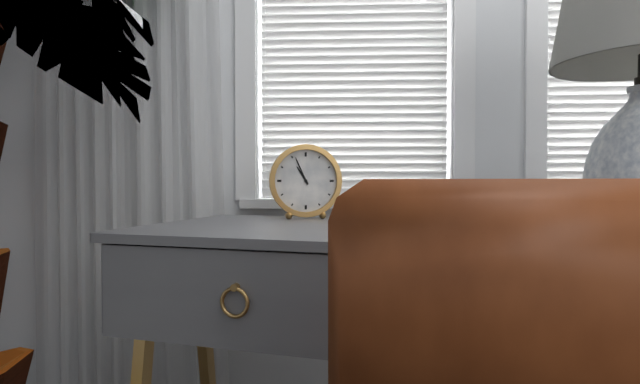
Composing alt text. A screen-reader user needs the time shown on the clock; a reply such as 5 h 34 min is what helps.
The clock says 10 h 56 min
